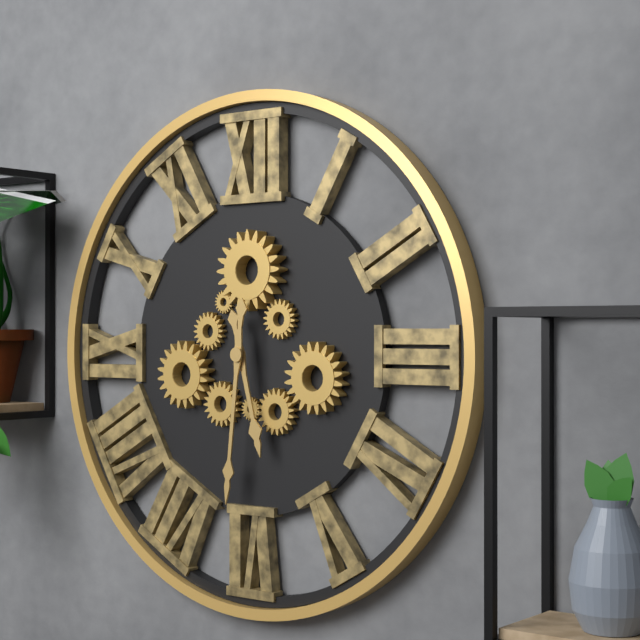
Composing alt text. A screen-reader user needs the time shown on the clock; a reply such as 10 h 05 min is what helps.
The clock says 5 h 31 min
